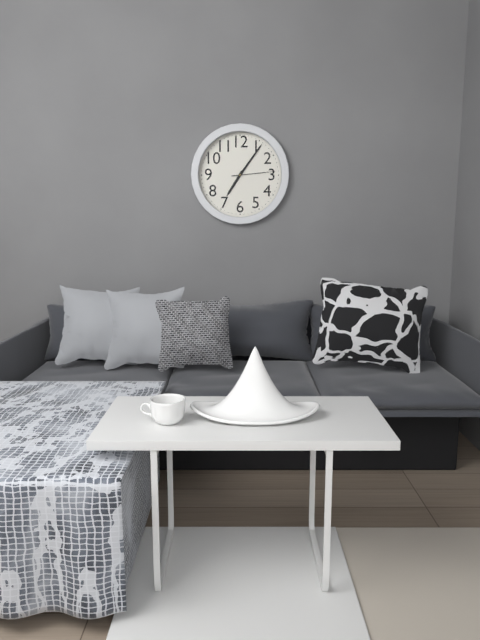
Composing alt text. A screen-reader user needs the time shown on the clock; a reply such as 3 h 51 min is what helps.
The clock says 7 h 06 min
